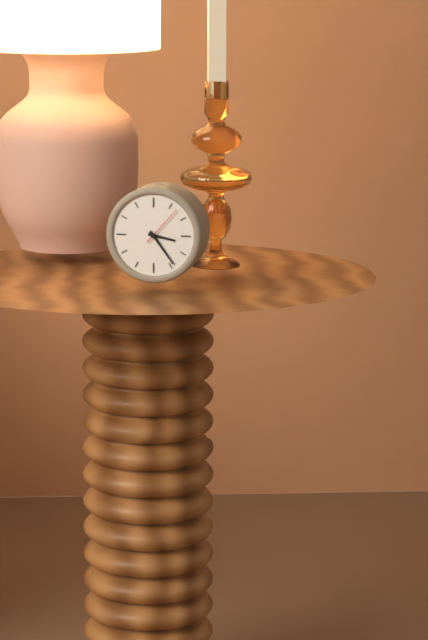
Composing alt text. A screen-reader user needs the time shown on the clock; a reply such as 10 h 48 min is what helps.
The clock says 3 h 24 min
